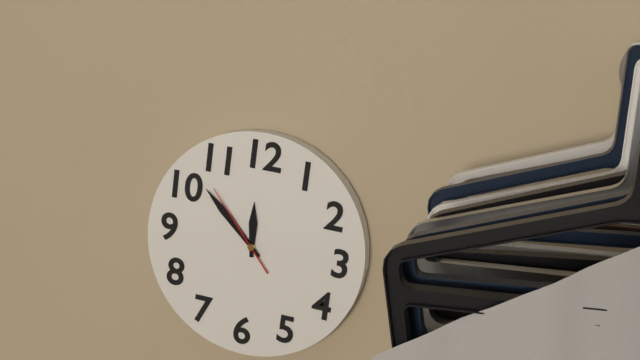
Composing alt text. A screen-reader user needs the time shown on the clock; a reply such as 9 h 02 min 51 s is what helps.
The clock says 11 h 52 min 53 s
